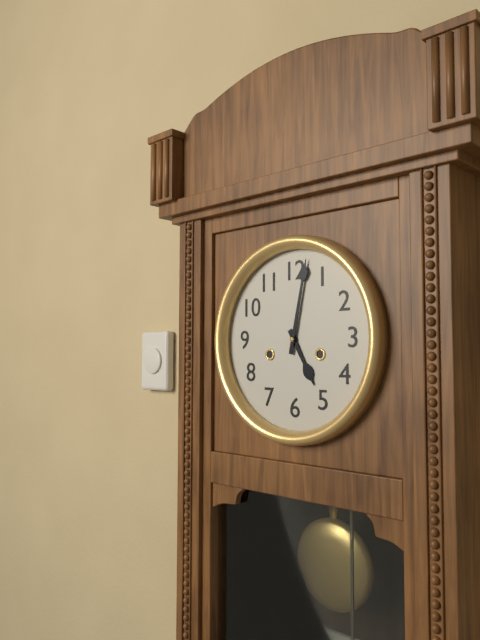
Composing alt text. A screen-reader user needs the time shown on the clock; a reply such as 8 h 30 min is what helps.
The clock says 5 h 02 min
